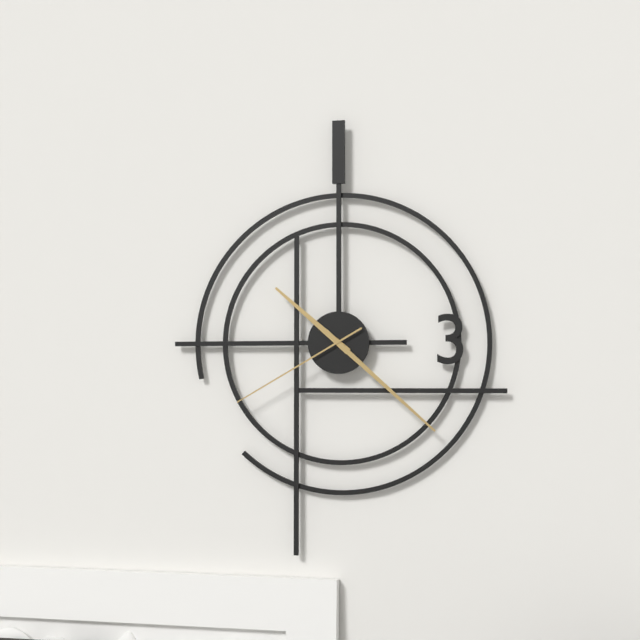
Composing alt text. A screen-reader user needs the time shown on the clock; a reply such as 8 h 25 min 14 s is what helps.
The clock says 10 h 22 min 40 s
